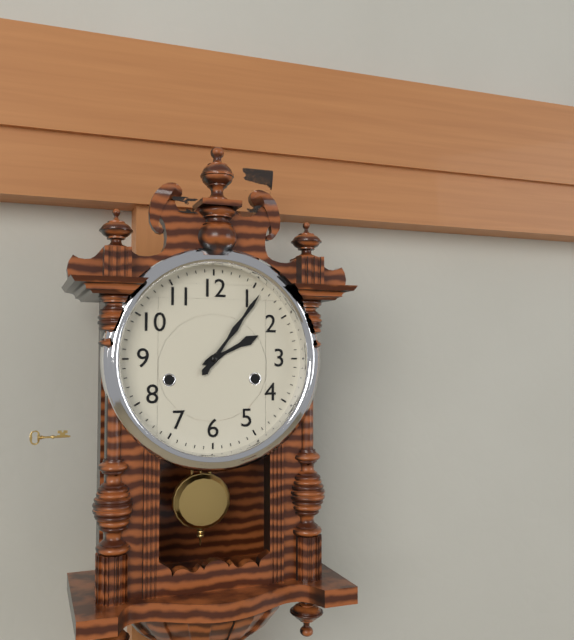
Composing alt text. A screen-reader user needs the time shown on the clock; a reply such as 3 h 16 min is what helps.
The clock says 2 h 06 min
